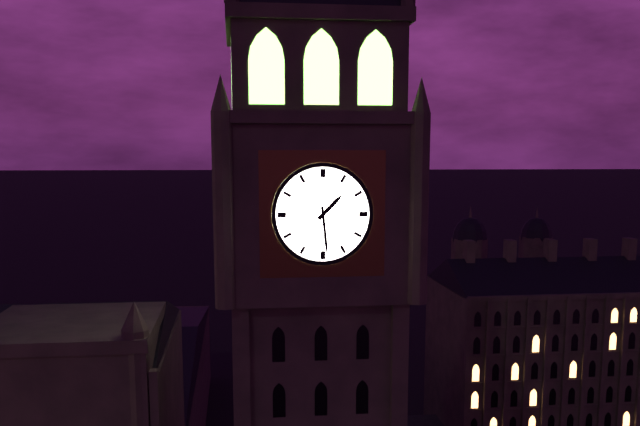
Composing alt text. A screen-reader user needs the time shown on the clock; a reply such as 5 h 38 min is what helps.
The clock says 1 h 29 min
